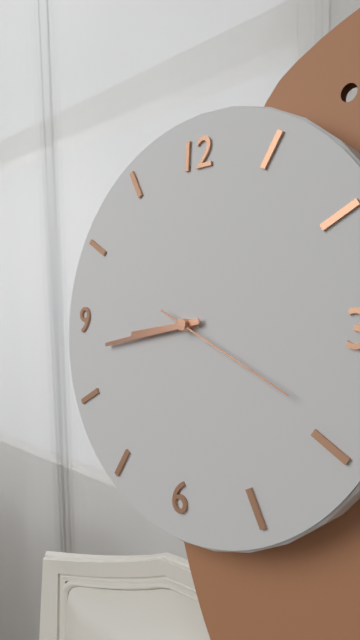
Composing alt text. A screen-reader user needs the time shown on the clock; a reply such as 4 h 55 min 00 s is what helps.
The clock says 8 h 43 min 19 s
